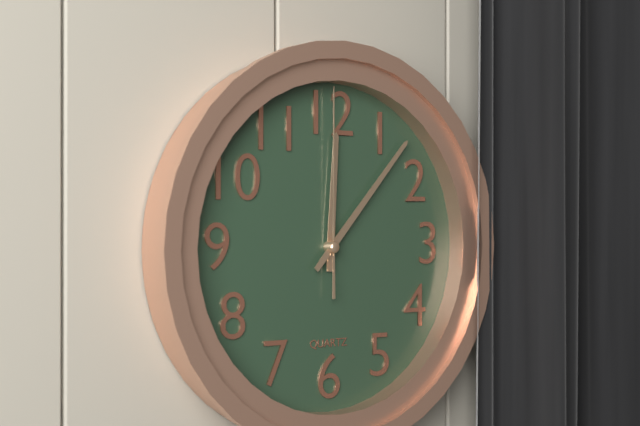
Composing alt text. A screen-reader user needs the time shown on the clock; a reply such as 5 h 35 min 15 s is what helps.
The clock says 12 h 07 min 00 s
